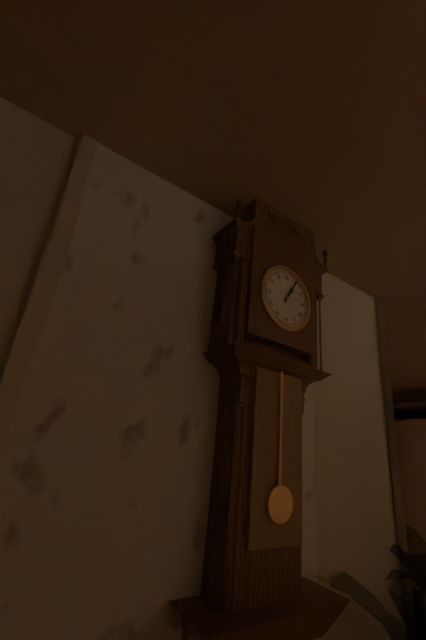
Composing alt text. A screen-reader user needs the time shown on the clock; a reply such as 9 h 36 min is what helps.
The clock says 1 h 05 min
